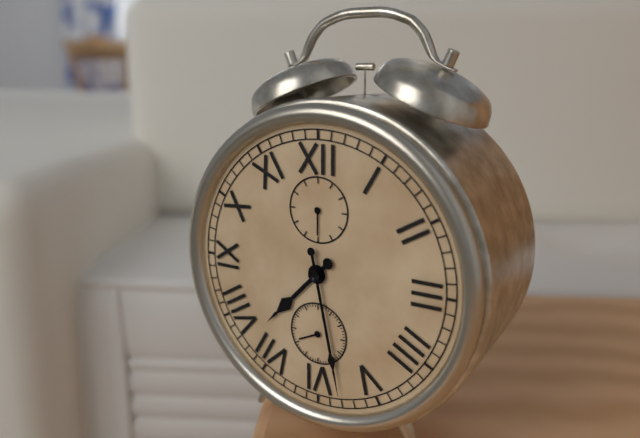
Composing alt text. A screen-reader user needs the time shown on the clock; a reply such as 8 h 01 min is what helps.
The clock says 7 h 28 min
